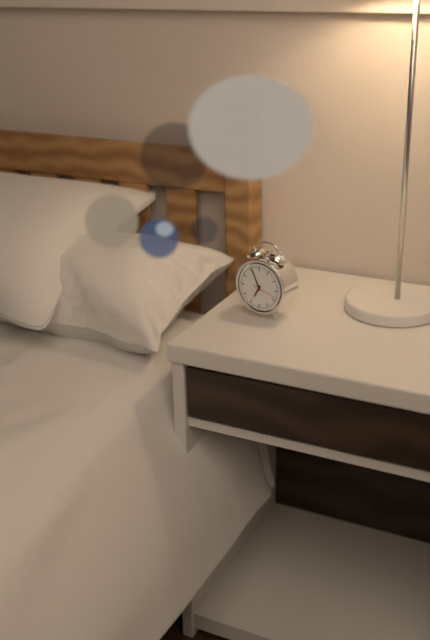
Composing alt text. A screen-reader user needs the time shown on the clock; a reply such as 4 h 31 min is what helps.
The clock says 6 h 56 min
